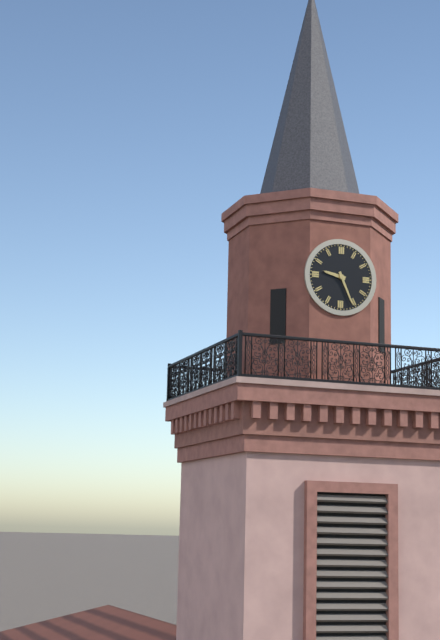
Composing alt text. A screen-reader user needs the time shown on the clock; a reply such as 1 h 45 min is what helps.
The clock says 9 h 26 min
